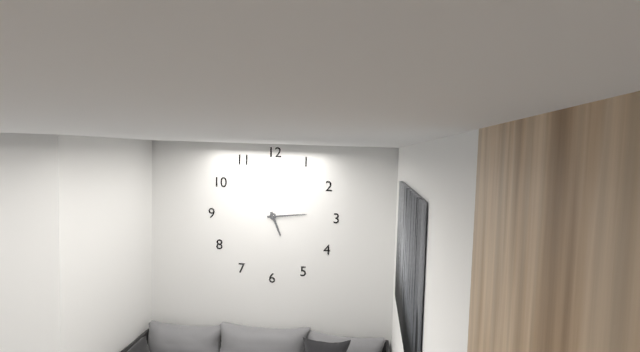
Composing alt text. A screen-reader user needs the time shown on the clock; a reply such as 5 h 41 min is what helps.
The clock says 5 h 14 min
